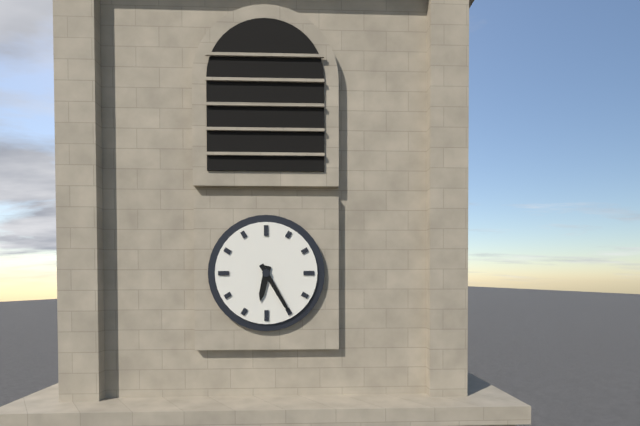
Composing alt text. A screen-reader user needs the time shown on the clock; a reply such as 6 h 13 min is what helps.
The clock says 6 h 25 min
